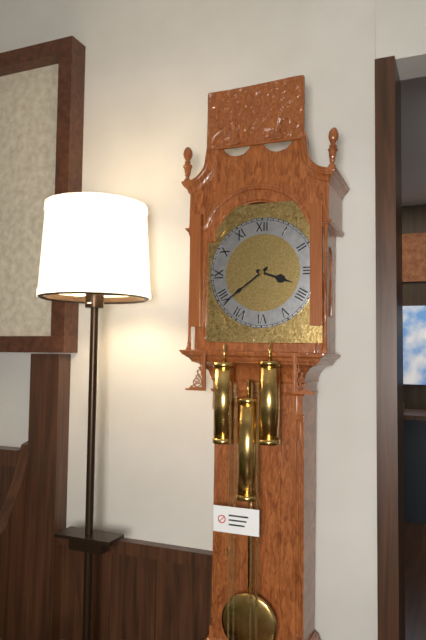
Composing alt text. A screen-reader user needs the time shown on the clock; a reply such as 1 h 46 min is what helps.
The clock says 3 h 39 min
